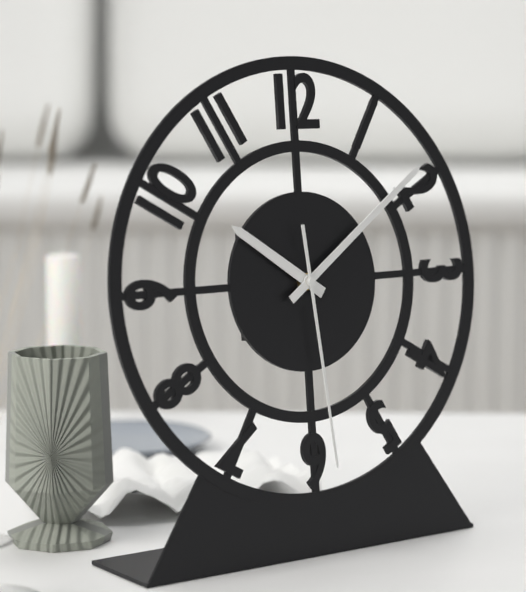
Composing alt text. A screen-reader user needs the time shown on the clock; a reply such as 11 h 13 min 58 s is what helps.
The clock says 10 h 09 min 29 s
